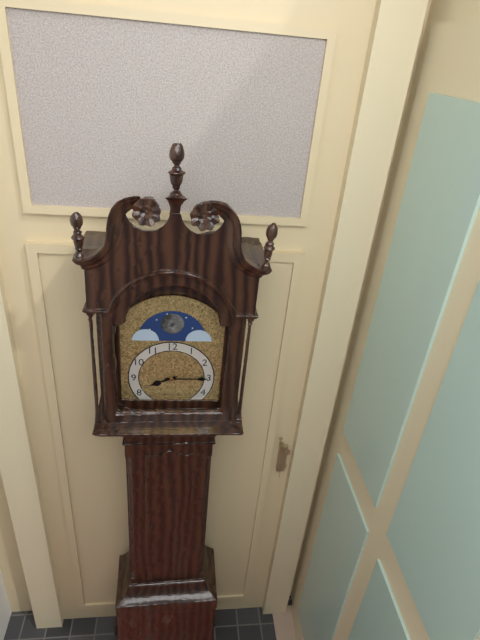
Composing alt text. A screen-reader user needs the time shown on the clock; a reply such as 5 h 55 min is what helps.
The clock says 8 h 15 min
